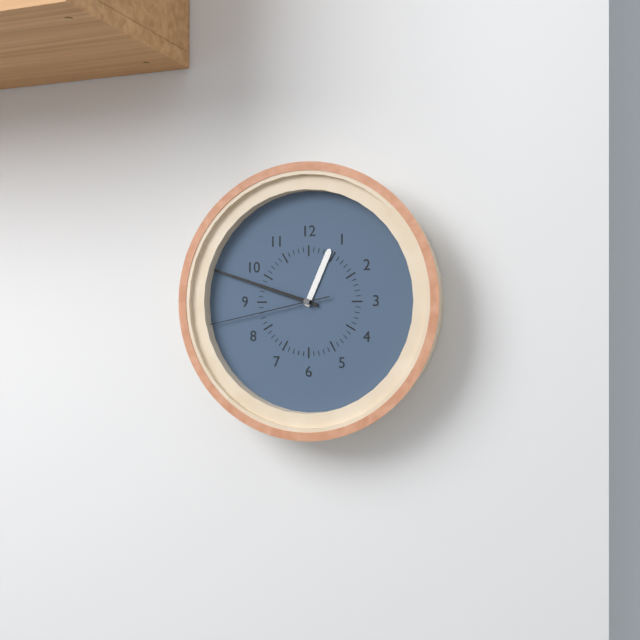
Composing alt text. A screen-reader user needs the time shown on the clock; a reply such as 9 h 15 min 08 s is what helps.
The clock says 12 h 48 min 43 s
